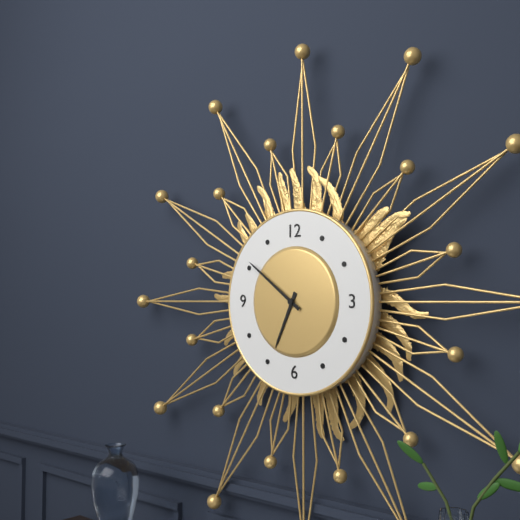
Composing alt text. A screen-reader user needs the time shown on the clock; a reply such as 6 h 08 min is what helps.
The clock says 6 h 51 min
